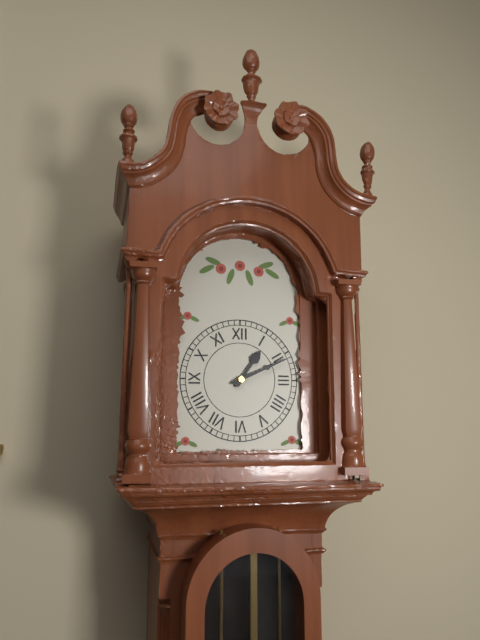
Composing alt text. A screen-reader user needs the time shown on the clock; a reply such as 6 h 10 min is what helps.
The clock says 1 h 11 min
